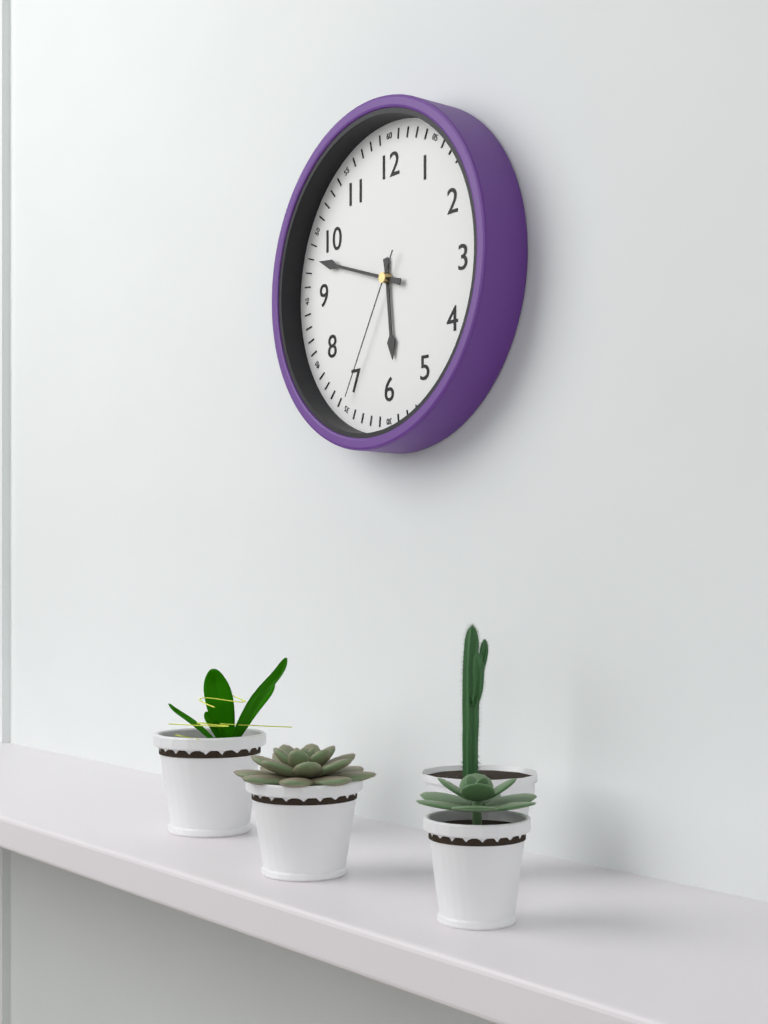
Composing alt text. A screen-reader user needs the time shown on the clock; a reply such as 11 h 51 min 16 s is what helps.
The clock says 5 h 48 min 35 s
